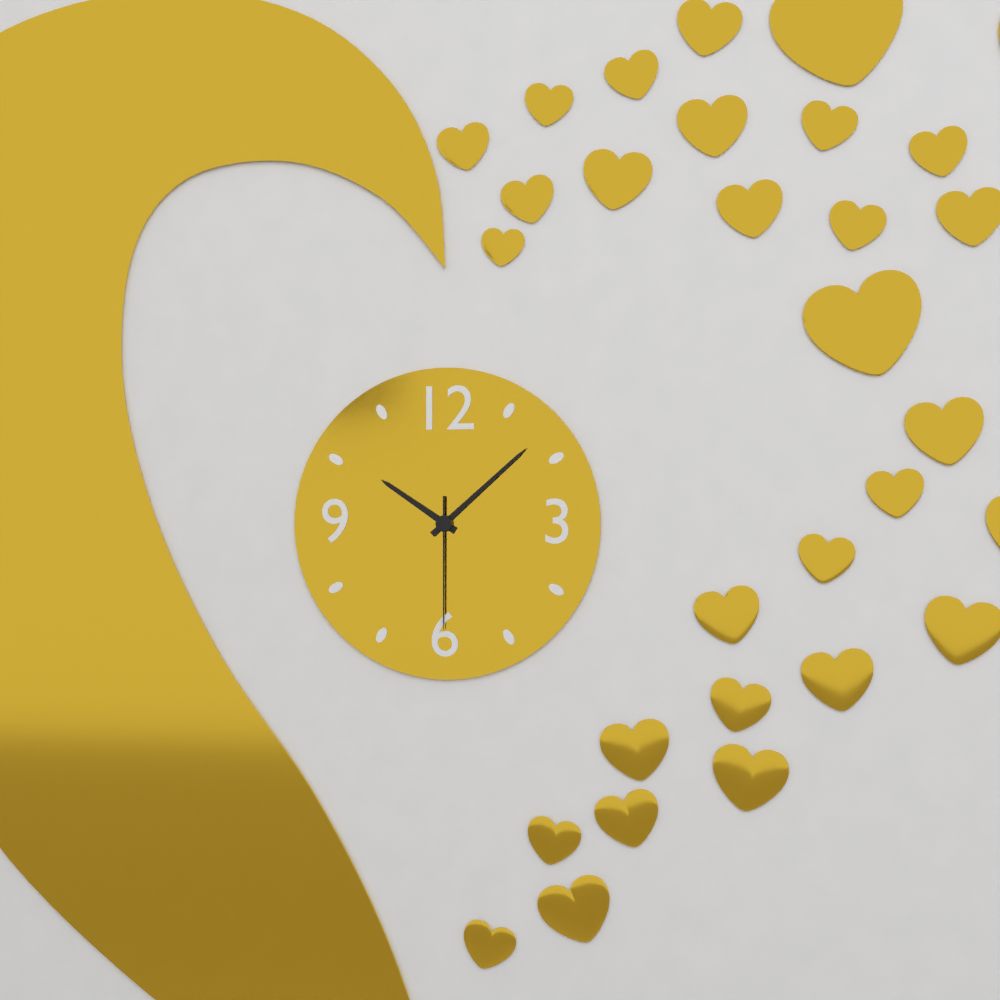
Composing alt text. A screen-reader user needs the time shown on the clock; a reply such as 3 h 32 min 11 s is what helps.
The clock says 10 h 08 min 30 s
